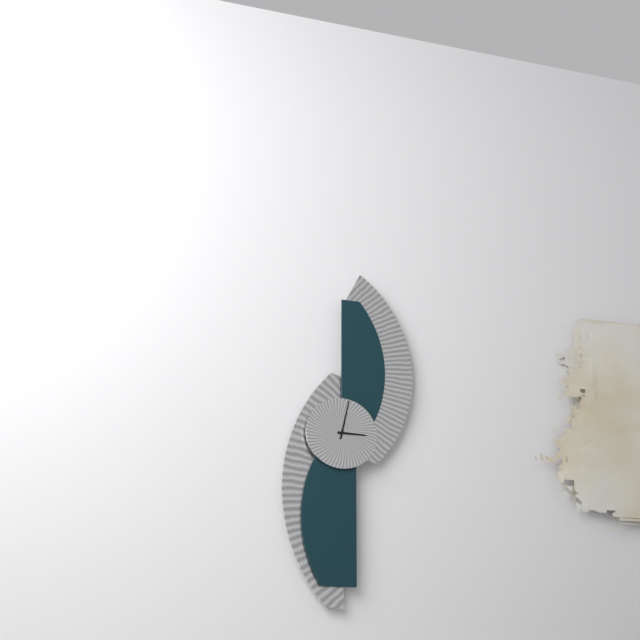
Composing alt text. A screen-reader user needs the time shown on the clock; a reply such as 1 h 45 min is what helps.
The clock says 3 h 02 min
